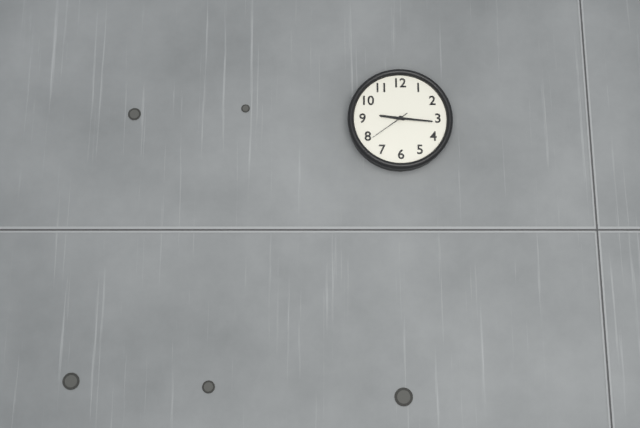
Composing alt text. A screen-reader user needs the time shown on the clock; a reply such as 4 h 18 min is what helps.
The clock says 9 h 16 min
